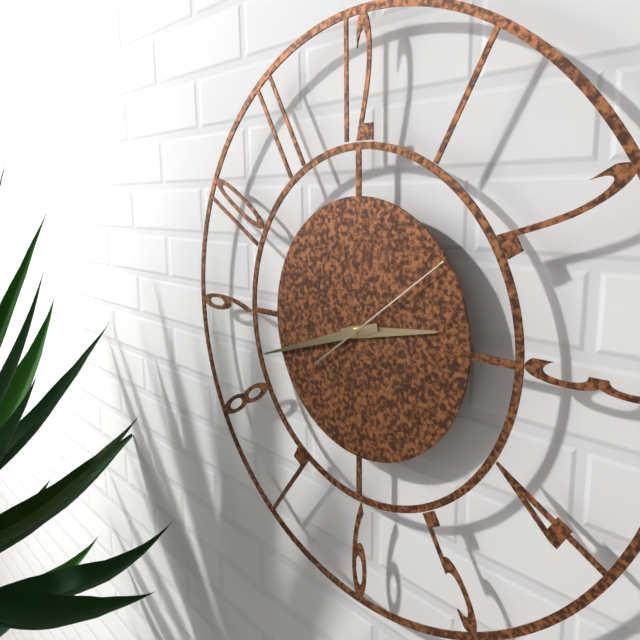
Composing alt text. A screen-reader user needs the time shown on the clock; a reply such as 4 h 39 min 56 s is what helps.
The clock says 2 h 42 min 09 s
